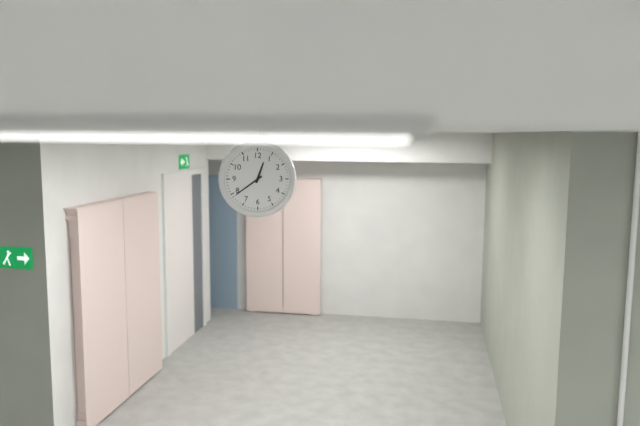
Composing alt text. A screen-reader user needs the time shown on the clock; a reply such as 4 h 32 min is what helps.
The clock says 12 h 39 min
